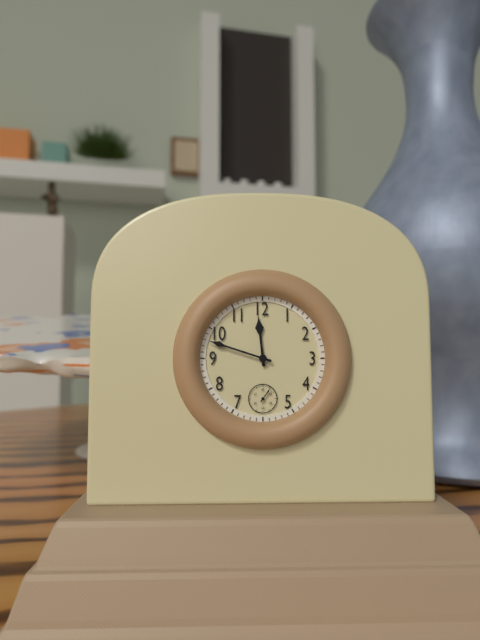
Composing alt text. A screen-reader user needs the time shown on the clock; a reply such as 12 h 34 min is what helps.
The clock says 11 h 48 min
